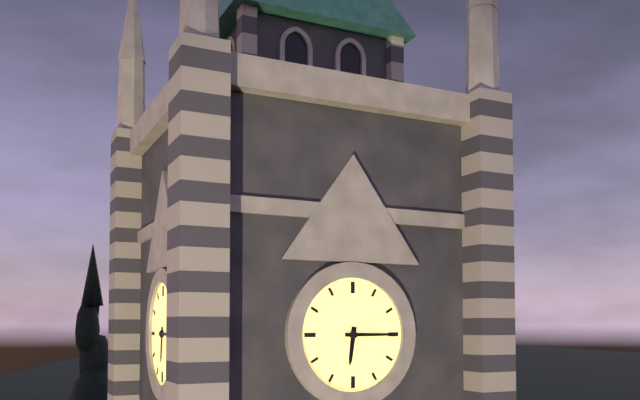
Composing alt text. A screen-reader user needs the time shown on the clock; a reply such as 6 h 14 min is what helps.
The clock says 6 h 15 min
